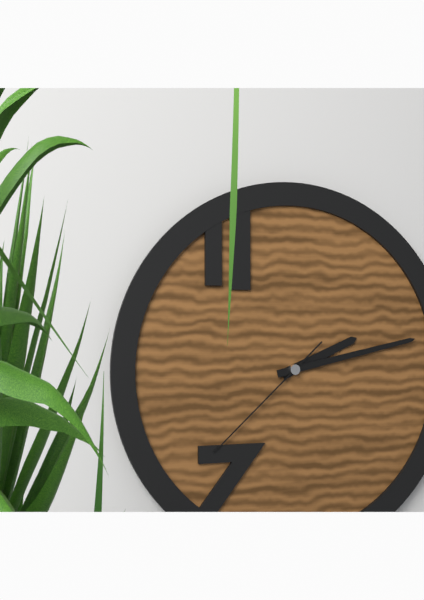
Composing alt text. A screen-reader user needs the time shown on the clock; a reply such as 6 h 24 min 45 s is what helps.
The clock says 2 h 13 min 38 s
